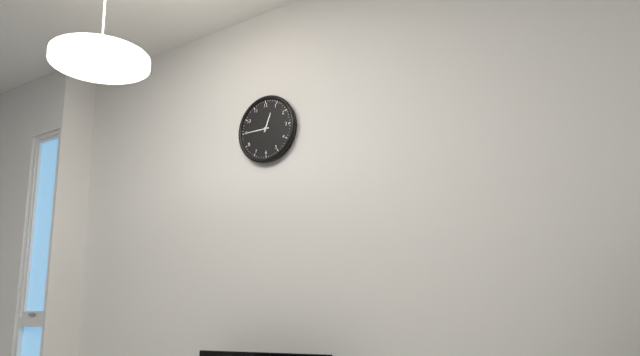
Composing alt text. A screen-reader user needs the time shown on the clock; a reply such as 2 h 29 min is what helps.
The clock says 12 h 45 min
